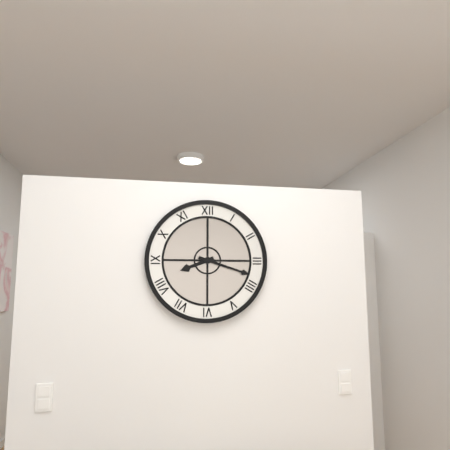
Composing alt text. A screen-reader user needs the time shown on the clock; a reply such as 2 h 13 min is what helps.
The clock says 8 h 18 min
